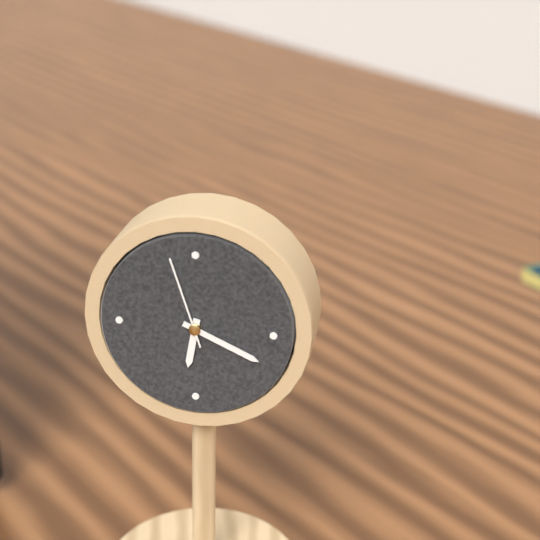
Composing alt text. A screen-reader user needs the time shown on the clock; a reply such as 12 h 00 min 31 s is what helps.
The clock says 6 h 19 min 57 s
